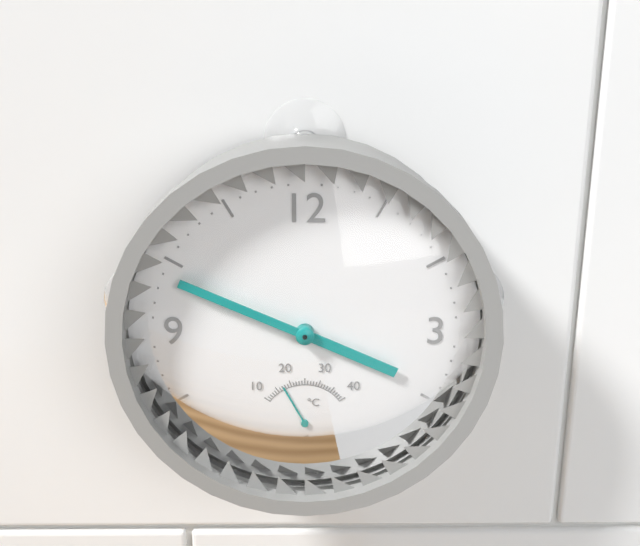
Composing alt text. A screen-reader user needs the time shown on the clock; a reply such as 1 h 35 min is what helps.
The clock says 3 h 49 min
